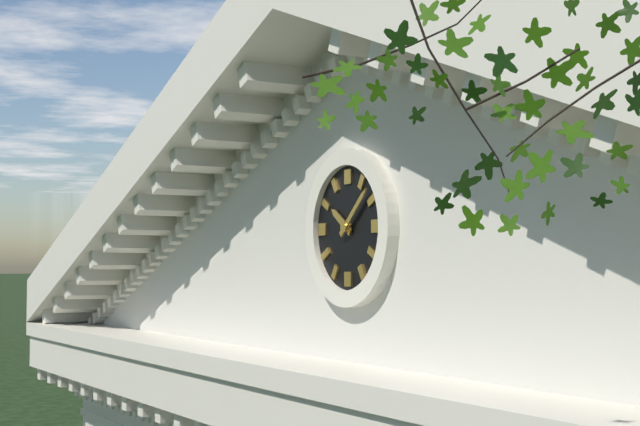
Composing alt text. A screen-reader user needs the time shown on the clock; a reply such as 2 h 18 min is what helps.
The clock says 10 h 08 min
